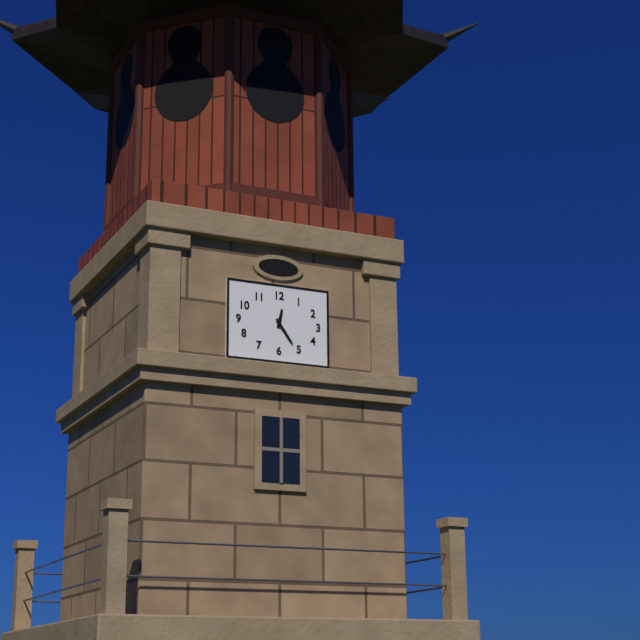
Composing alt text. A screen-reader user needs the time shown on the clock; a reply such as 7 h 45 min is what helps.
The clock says 12 h 24 min
